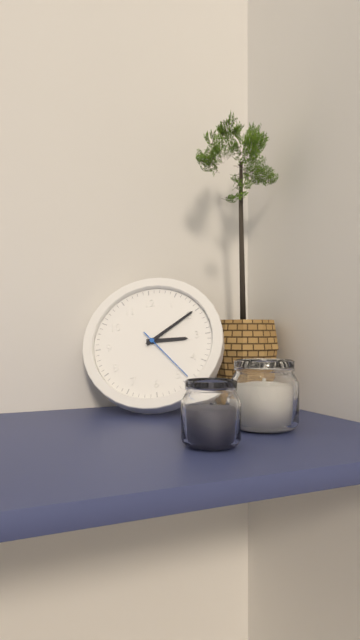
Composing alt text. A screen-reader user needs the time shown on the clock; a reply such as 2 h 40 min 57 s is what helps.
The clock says 3 h 10 min 24 s
